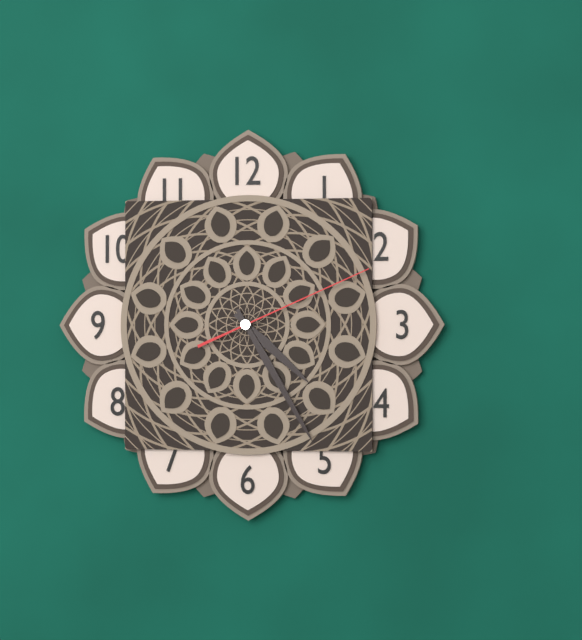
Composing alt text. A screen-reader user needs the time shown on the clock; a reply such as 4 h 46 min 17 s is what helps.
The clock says 4 h 25 min 11 s
